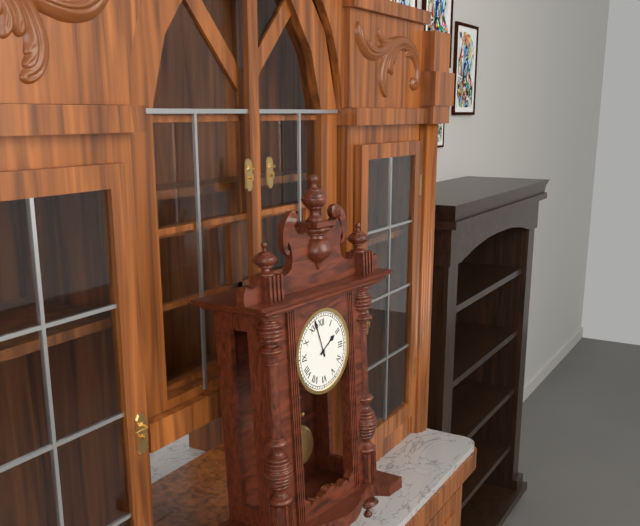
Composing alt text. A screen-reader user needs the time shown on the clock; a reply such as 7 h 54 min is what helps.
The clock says 1 h 57 min
